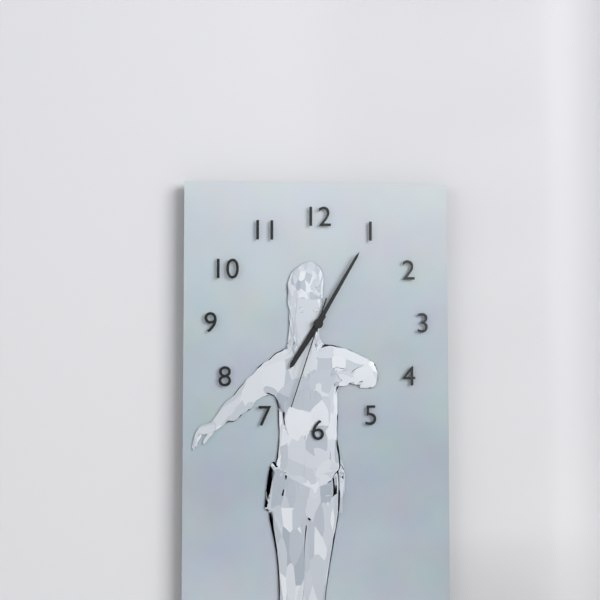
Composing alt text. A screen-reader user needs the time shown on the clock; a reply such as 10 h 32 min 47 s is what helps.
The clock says 7 h 05 min 33 s
